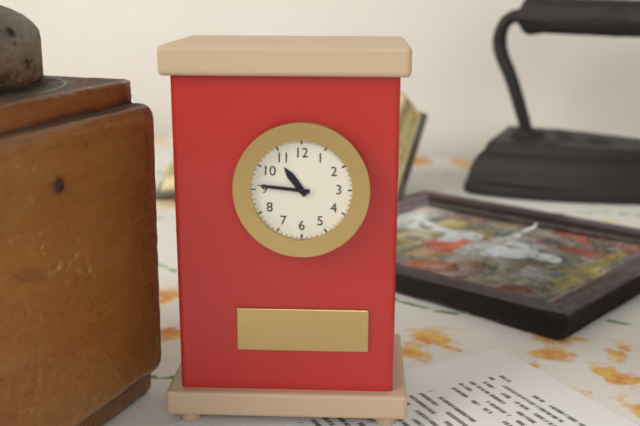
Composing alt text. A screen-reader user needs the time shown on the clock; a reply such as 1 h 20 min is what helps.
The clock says 10 h 46 min
